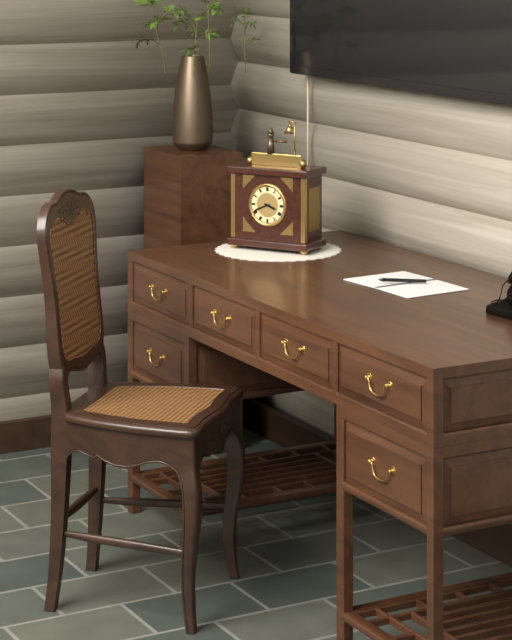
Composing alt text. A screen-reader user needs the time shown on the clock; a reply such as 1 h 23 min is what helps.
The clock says 3 h 41 min
